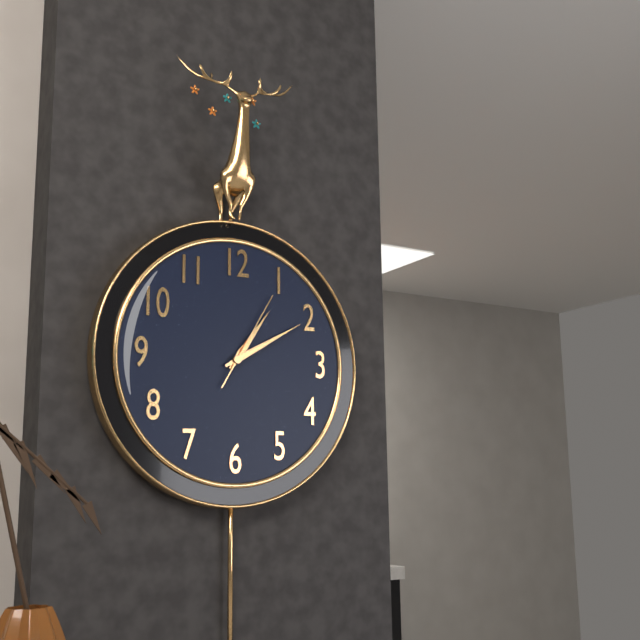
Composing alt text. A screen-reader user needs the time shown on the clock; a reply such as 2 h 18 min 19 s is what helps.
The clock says 1 h 10 min 05 s
